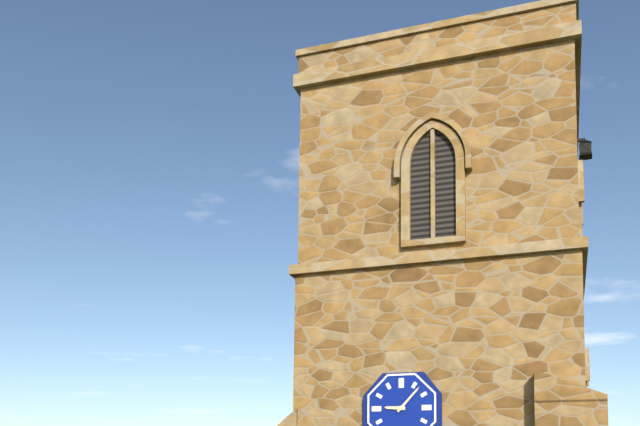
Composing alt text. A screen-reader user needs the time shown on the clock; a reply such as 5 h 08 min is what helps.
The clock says 9 h 07 min
